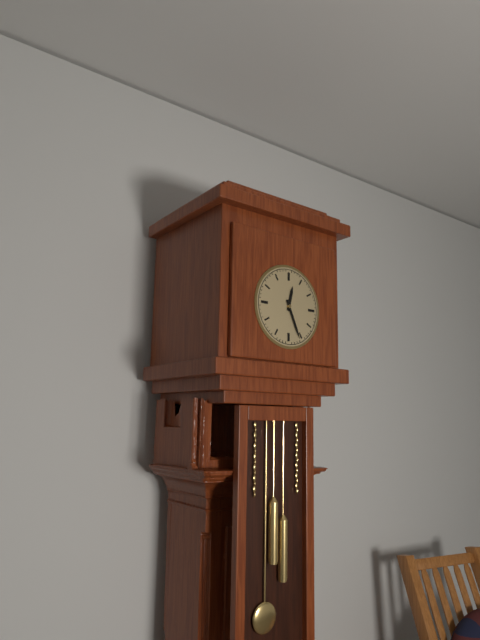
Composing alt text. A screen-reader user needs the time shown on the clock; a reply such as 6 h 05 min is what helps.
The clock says 12 h 26 min
